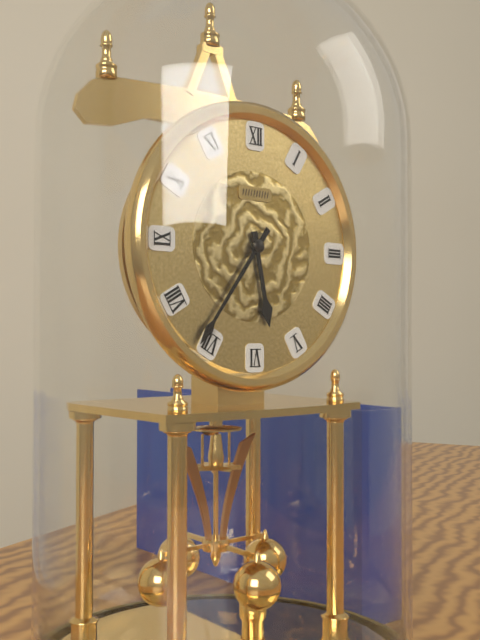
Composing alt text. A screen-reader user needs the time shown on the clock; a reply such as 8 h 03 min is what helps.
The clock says 5 h 36 min
